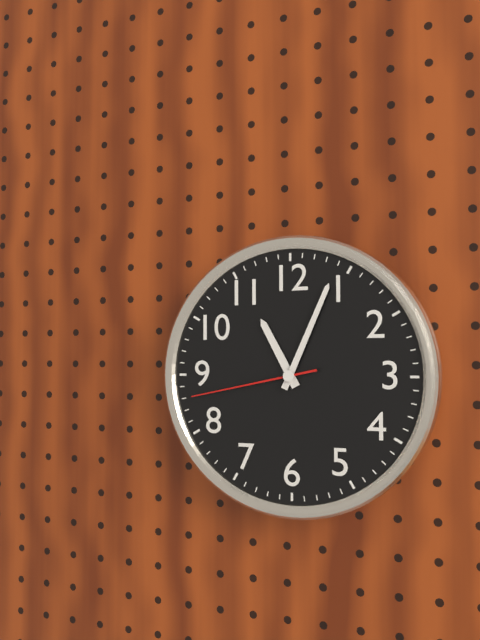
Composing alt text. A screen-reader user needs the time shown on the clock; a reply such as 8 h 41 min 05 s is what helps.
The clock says 11 h 04 min 43 s
